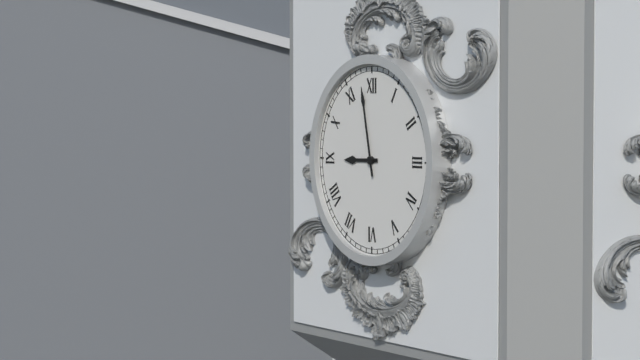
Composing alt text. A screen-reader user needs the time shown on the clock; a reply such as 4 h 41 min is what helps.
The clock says 8 h 58 min
